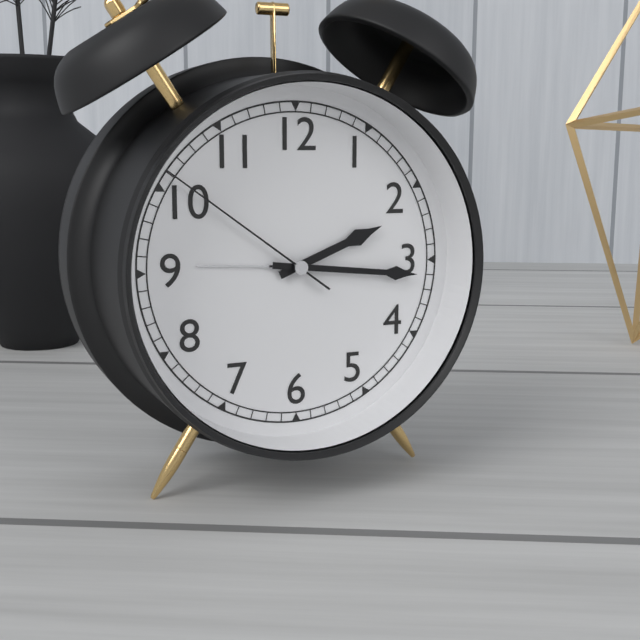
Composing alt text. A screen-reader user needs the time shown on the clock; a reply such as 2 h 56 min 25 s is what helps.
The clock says 2 h 16 min 51 s
